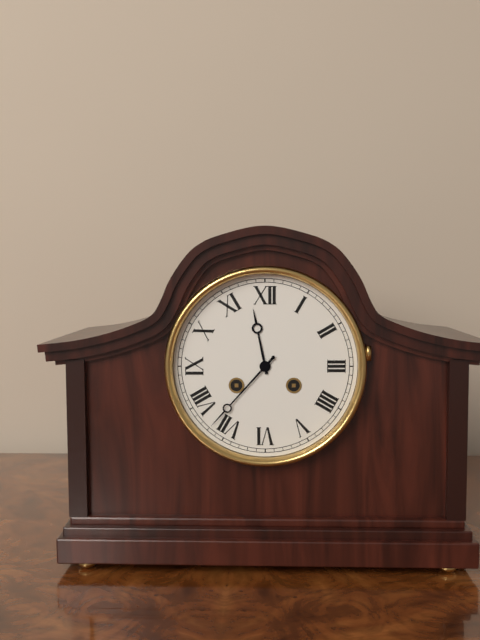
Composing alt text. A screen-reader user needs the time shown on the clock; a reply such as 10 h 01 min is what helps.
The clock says 11 h 37 min
